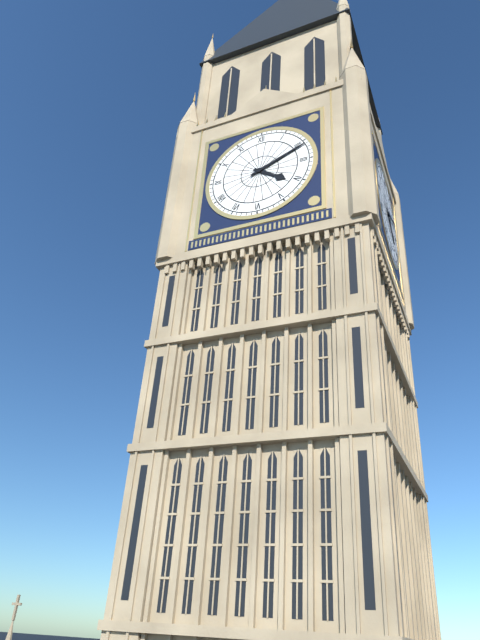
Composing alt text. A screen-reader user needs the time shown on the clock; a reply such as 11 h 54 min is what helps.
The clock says 4 h 11 min
